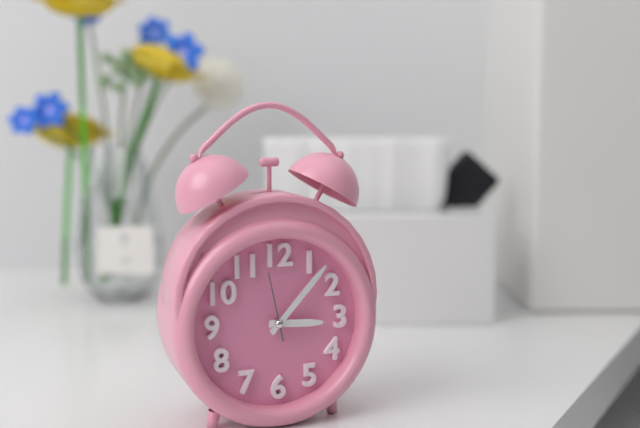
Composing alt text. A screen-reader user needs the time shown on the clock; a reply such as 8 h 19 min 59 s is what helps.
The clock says 3 h 07 min 58 s
